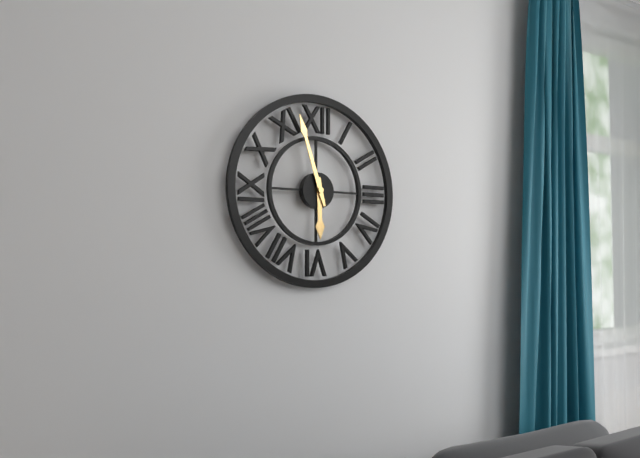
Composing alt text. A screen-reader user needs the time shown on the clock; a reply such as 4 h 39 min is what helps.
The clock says 5 h 57 min
